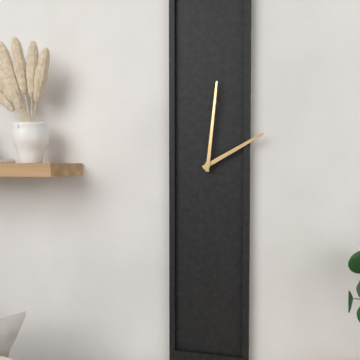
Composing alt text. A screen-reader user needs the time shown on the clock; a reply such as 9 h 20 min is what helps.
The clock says 2 h 01 min
